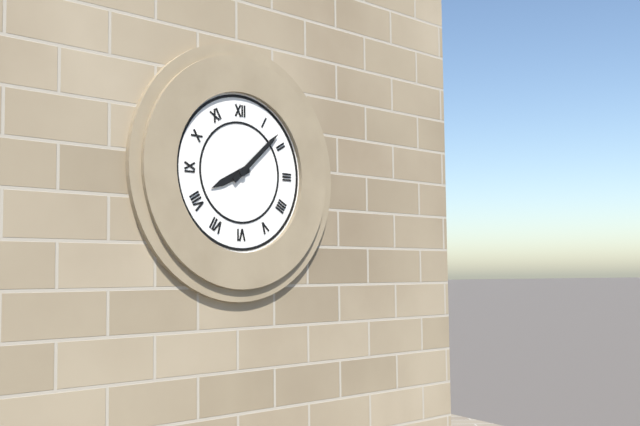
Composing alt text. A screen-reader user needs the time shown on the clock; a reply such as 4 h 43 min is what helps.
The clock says 8 h 08 min
